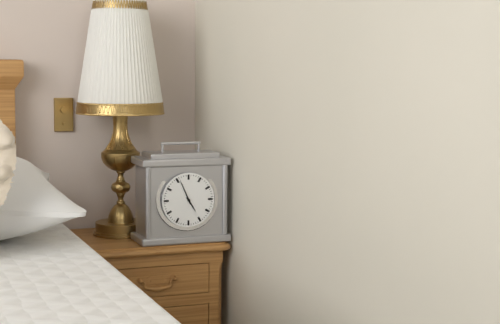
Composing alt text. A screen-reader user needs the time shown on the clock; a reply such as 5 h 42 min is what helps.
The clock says 4 h 56 min
